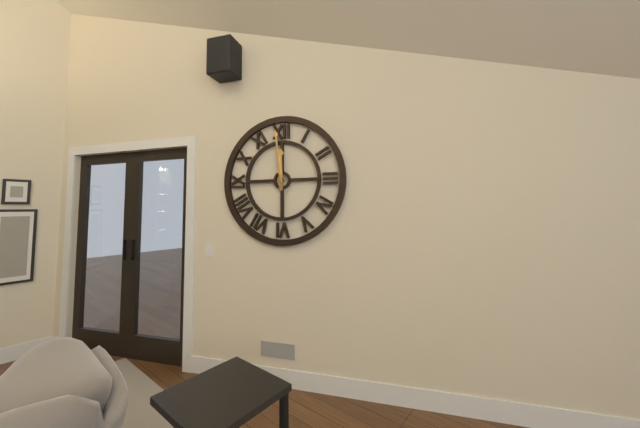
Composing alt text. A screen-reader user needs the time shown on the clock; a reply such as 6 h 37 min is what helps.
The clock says 11 h 59 min
